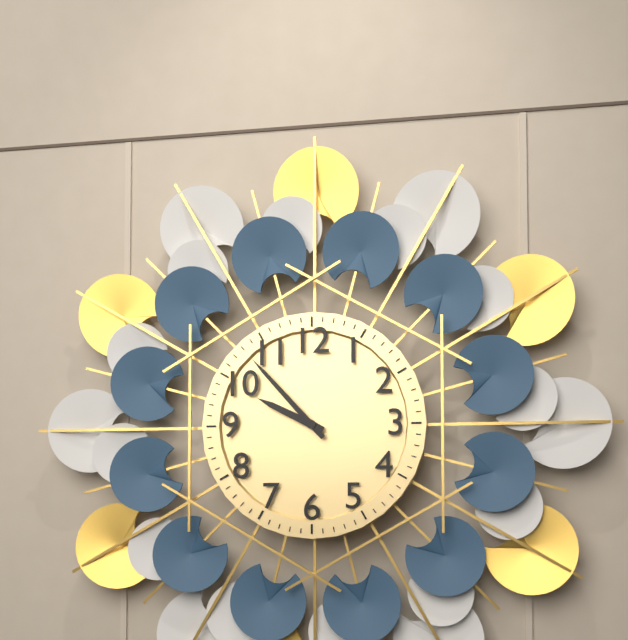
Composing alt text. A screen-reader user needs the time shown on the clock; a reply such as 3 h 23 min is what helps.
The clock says 9 h 53 min
